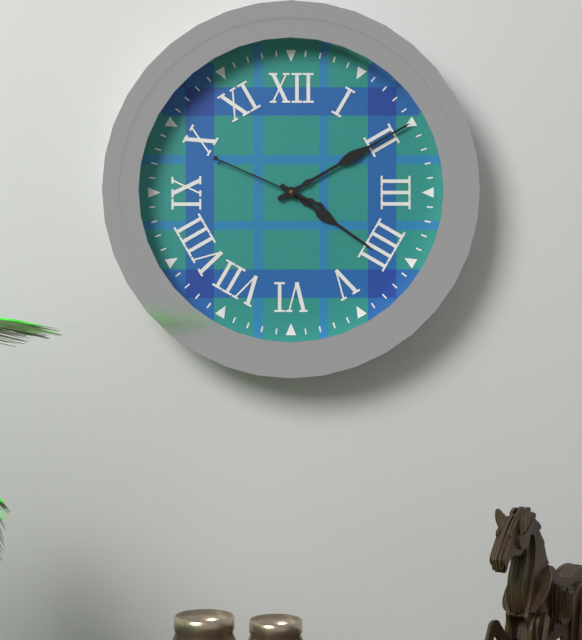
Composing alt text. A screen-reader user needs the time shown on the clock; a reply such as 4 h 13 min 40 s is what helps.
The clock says 4 h 10 min 49 s
